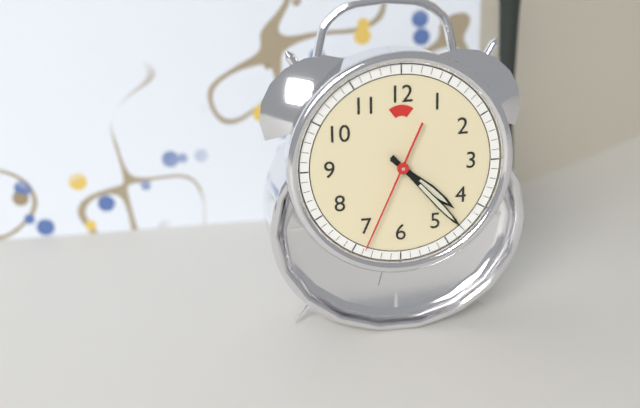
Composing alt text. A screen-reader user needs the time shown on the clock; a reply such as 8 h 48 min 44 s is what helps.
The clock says 4 h 23 min 34 s
